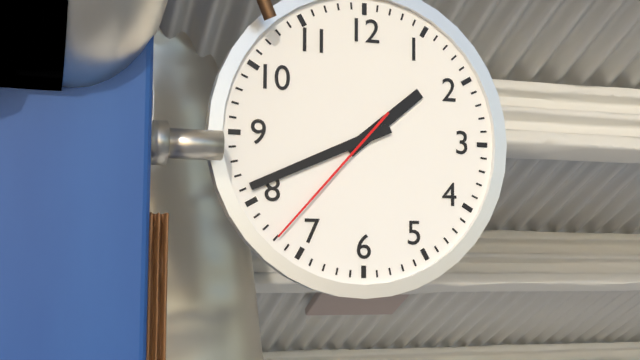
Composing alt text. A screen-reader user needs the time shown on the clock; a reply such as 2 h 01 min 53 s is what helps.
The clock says 1 h 41 min 37 s
